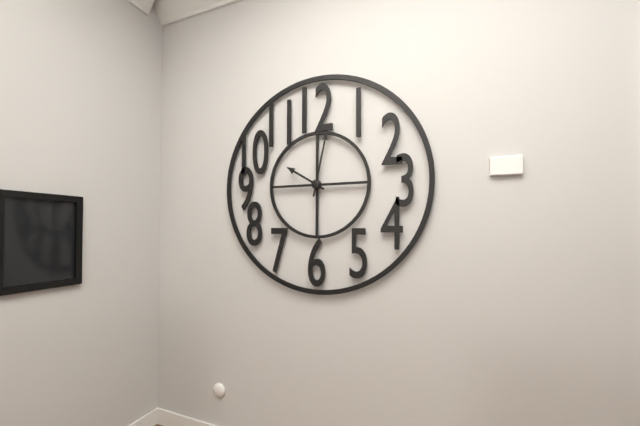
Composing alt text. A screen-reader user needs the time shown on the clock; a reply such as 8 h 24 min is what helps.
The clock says 10 h 02 min
